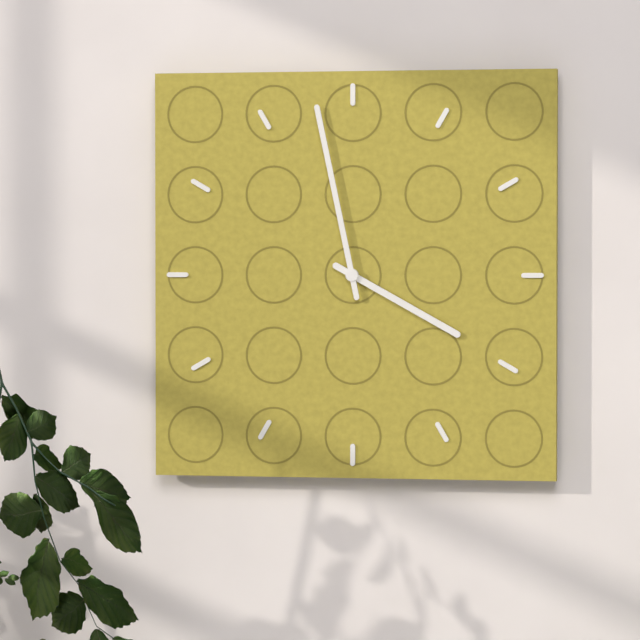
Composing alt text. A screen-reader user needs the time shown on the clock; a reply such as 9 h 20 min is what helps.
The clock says 3 h 58 min
